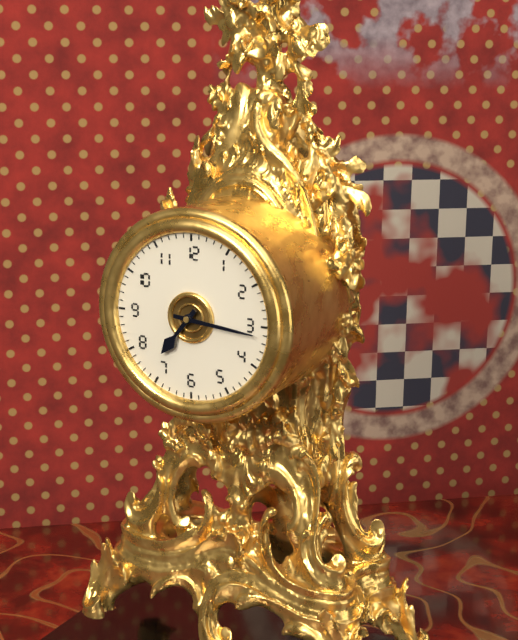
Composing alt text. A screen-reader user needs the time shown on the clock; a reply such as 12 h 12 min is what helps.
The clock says 7 h 16 min
